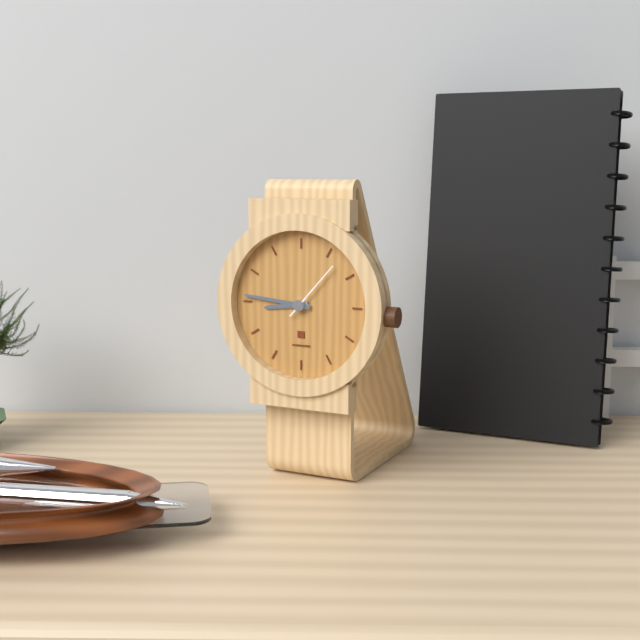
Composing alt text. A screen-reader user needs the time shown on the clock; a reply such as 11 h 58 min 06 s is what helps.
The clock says 8 h 46 min 07 s
